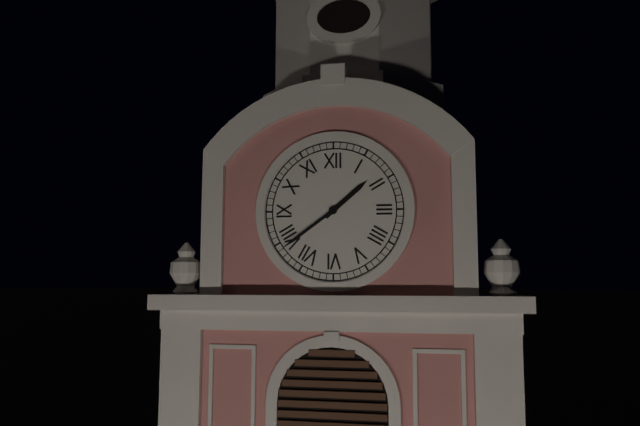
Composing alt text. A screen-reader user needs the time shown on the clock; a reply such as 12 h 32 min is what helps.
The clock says 1 h 39 min
